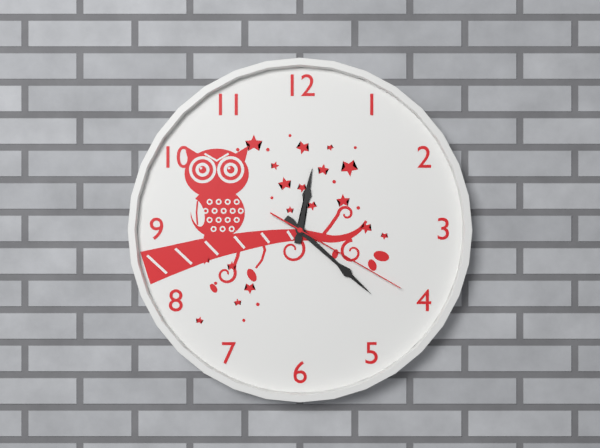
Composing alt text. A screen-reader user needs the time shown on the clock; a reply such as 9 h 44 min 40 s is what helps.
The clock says 12 h 22 min 20 s
